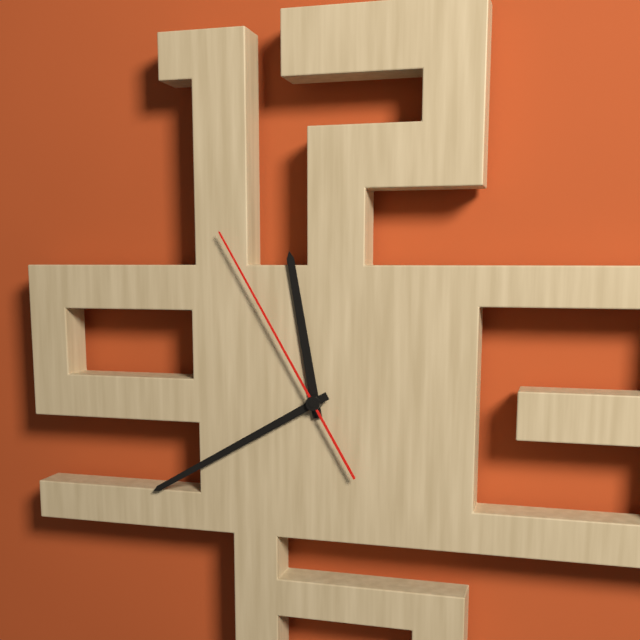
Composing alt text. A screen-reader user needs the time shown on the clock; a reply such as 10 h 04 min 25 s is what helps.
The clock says 11 h 40 min 55 s
